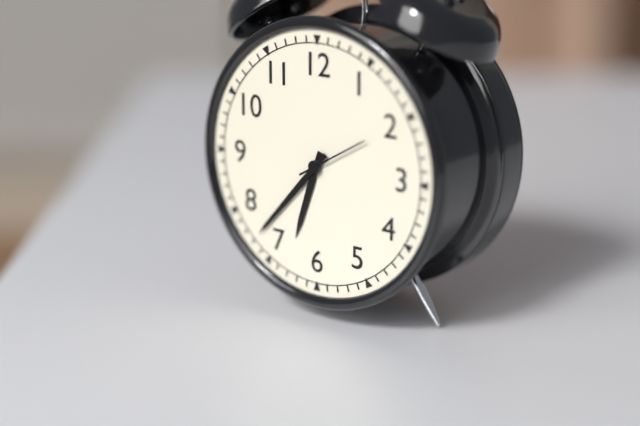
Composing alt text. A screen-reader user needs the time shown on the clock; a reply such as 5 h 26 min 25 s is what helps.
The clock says 6 h 37 min 10 s
